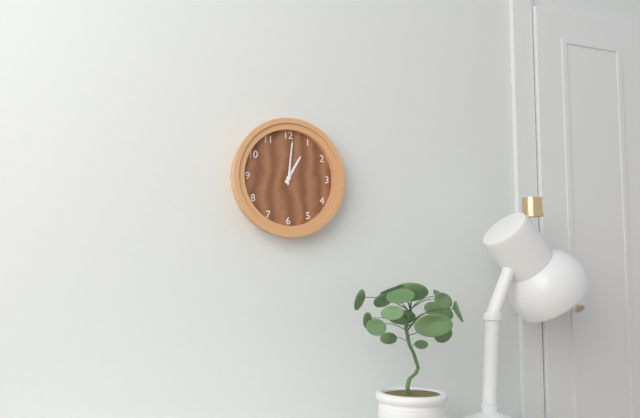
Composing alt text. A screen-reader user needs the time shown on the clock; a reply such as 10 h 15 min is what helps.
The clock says 1 h 01 min
